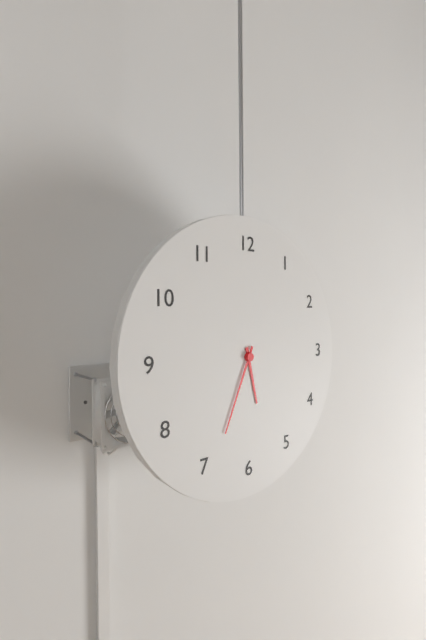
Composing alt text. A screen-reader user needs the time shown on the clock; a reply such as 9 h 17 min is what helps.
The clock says 5 h 34 min
